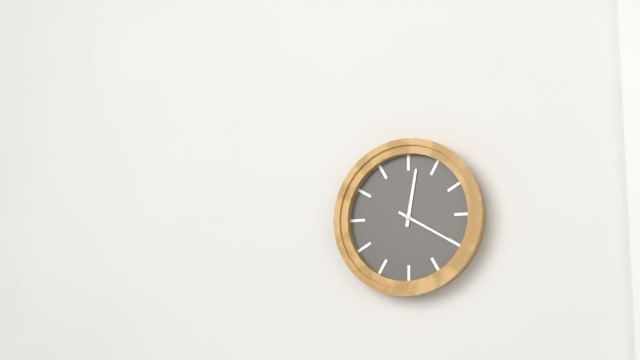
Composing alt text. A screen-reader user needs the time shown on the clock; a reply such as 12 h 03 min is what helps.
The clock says 12 h 20 min
